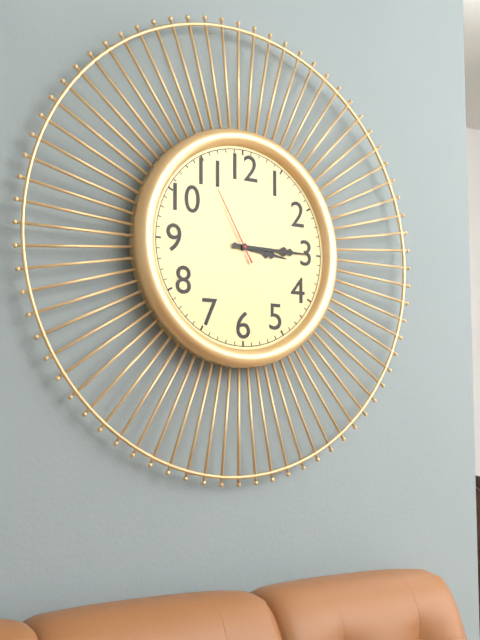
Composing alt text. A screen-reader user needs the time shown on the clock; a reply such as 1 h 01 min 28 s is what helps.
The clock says 3 h 15 min 55 s
